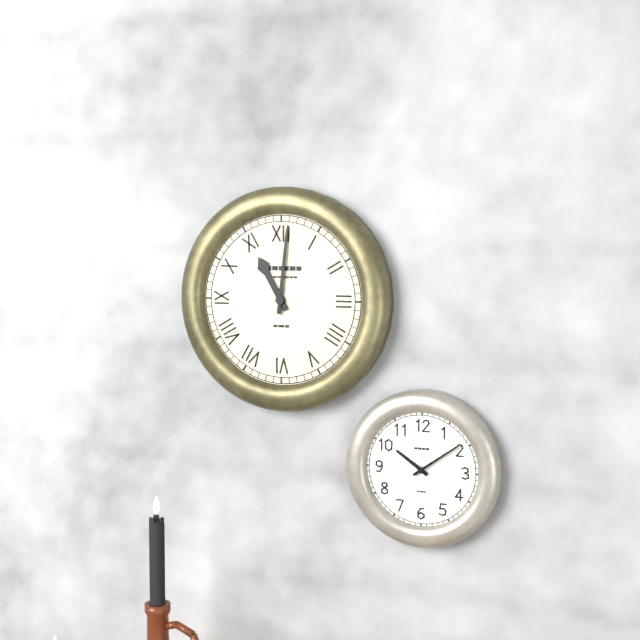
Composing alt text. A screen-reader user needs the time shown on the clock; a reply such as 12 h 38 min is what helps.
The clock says 11 h 01 min
